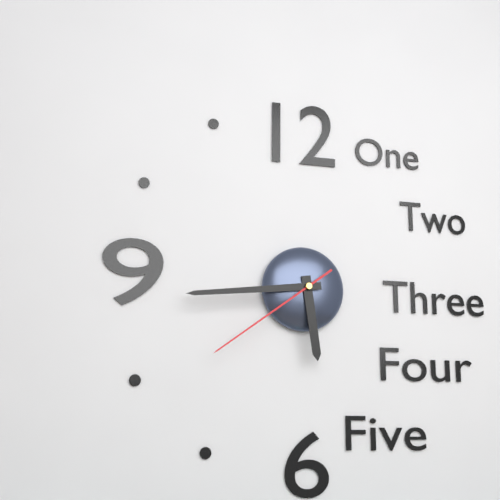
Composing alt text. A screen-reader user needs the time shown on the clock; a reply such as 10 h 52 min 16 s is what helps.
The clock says 5 h 44 min 39 s
